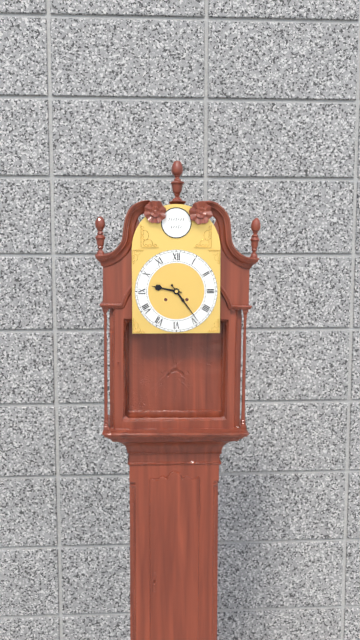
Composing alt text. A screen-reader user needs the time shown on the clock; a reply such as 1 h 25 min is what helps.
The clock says 9 h 24 min
